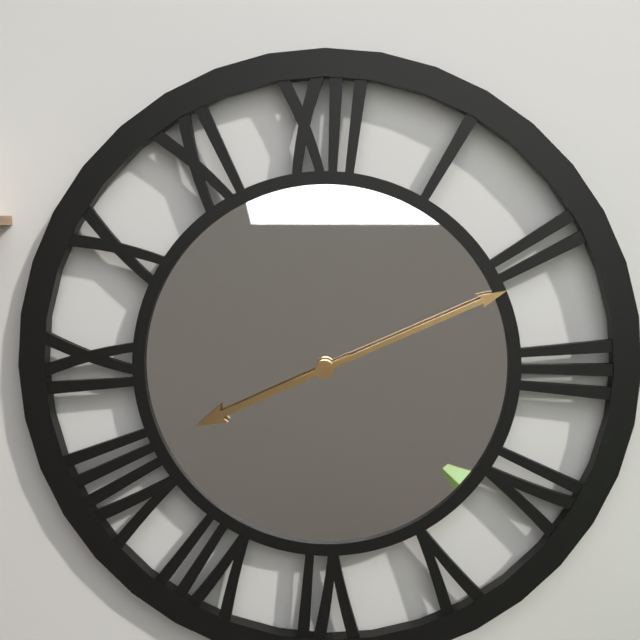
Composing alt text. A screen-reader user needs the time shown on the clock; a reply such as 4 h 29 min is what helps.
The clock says 8 h 11 min
